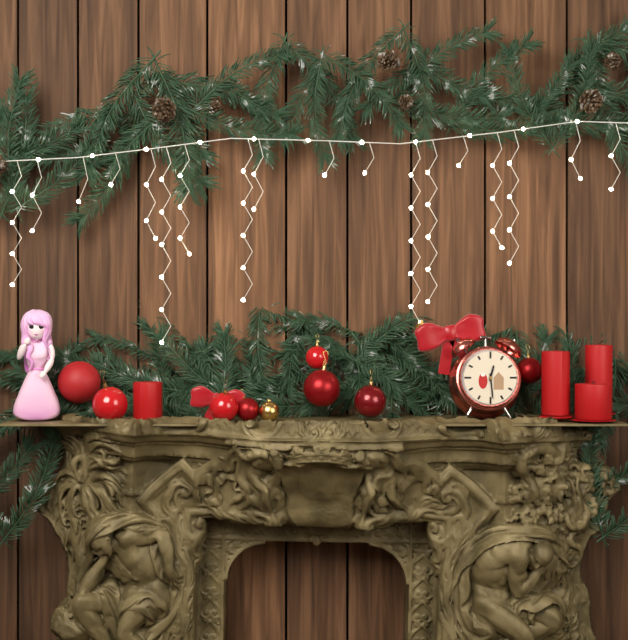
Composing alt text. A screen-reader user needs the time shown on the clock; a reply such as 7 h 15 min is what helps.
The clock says 12 h 29 min
